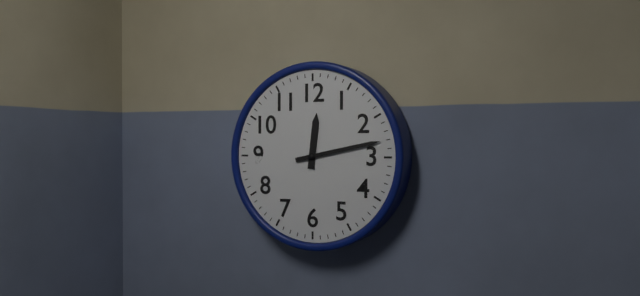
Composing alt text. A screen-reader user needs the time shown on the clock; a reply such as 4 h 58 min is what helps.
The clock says 12 h 13 min
